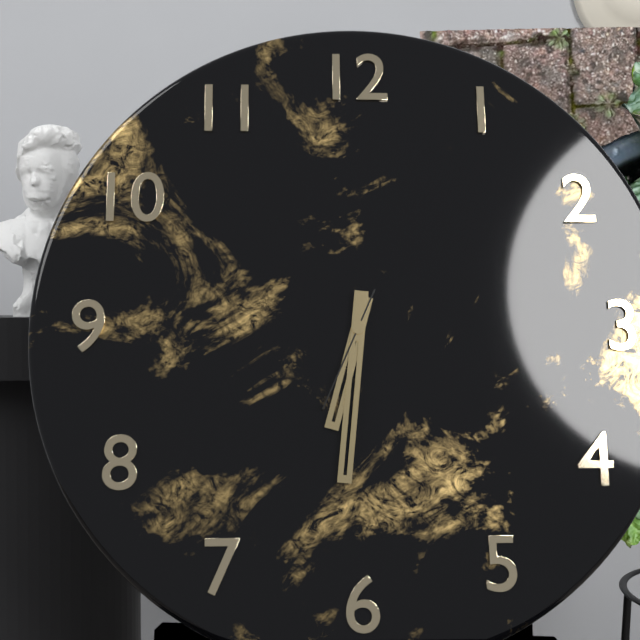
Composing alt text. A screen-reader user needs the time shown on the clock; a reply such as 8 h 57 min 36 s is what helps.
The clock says 6 h 31 min 34 s
